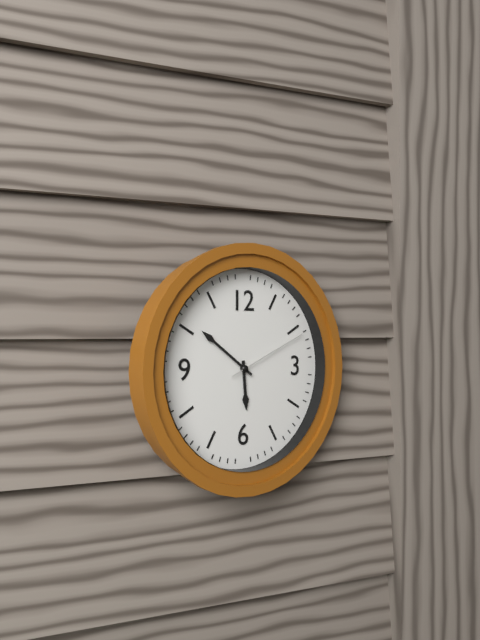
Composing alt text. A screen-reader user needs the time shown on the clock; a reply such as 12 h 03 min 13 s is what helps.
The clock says 5 h 51 min 11 s
